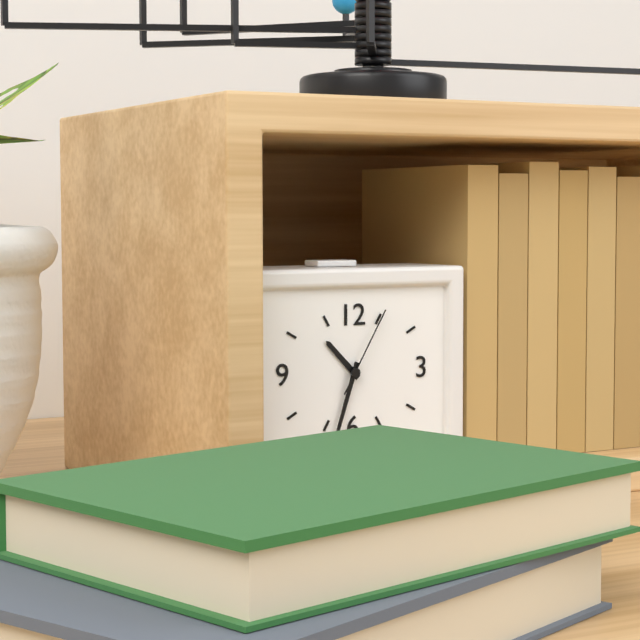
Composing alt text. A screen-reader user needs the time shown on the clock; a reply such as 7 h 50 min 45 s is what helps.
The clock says 10 h 33 min 05 s
